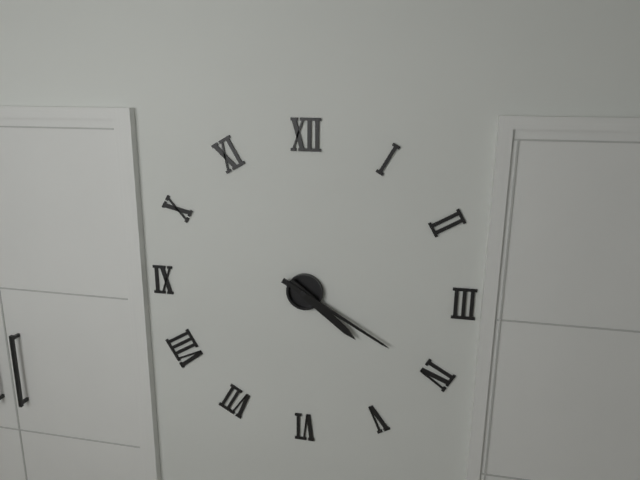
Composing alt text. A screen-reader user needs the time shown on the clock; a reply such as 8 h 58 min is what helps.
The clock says 4 h 20 min
